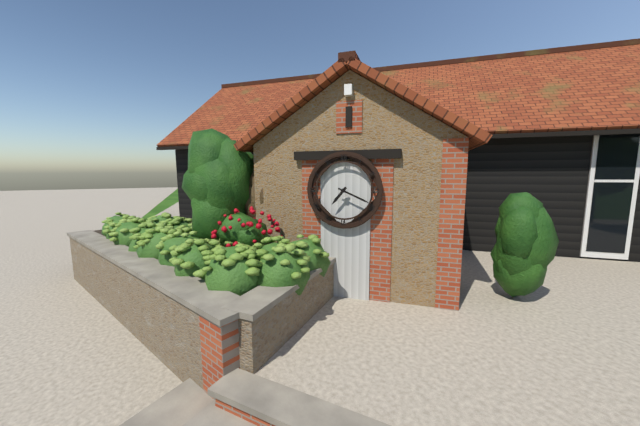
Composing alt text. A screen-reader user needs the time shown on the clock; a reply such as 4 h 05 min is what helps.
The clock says 7 h 19 min
